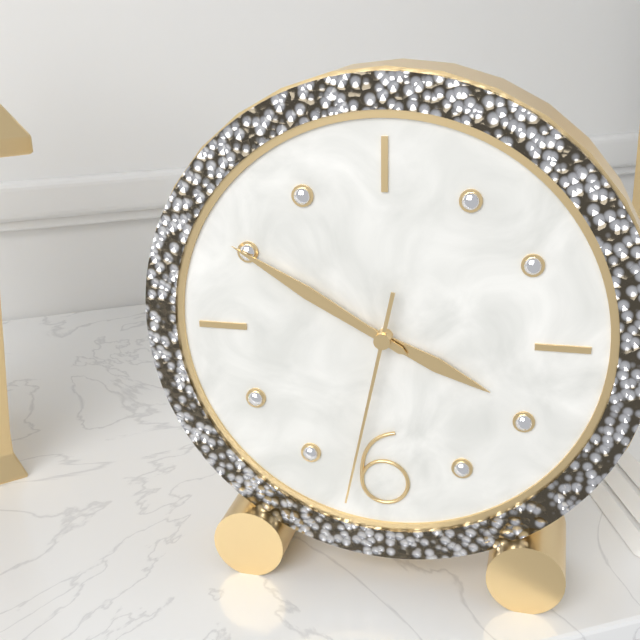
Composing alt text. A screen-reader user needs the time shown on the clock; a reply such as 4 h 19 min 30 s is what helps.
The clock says 3 h 50 min 32 s
